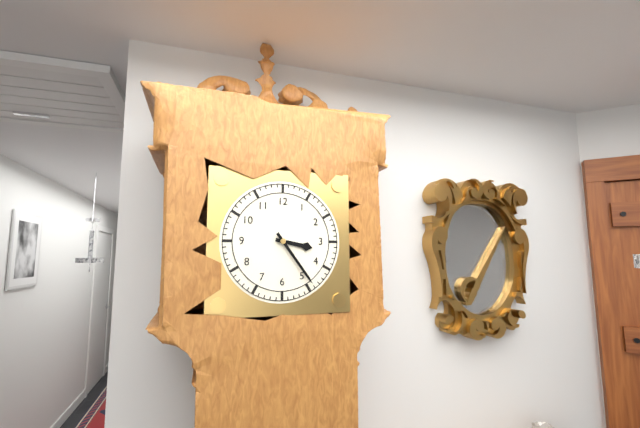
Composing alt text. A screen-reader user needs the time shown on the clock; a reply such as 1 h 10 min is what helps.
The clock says 3 h 24 min
